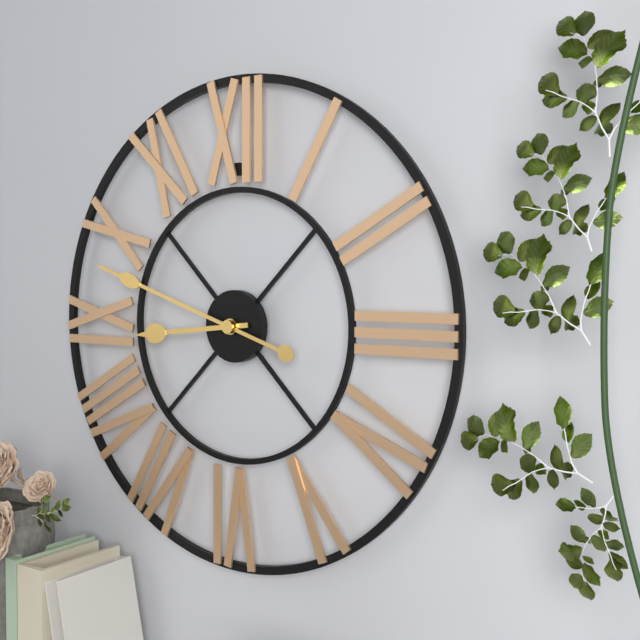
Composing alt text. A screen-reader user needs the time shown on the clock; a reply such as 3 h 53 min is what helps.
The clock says 8 h 48 min
